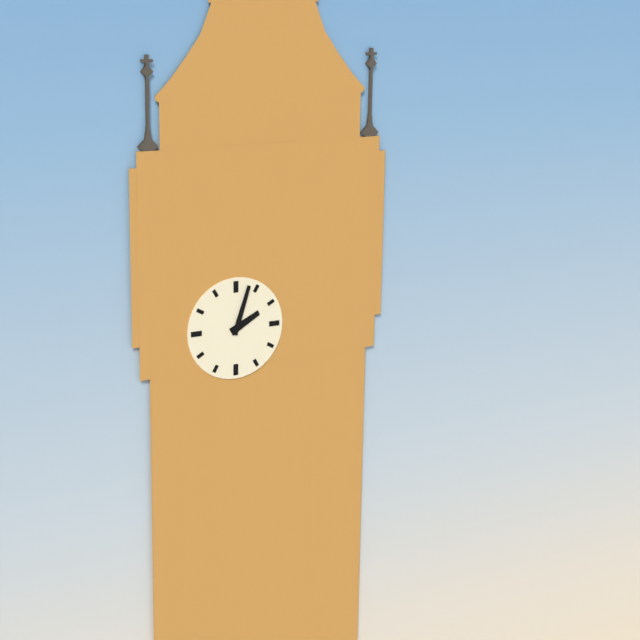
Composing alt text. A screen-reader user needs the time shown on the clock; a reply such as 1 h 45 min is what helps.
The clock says 2 h 03 min
